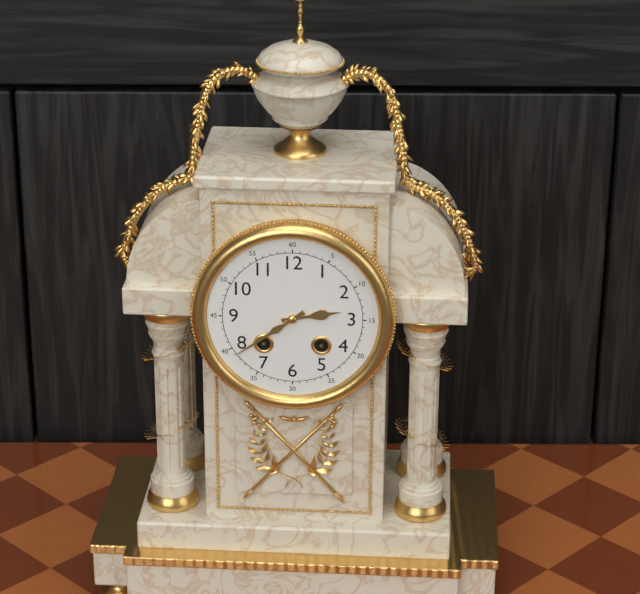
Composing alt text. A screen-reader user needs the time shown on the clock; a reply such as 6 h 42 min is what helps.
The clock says 2 h 39 min
